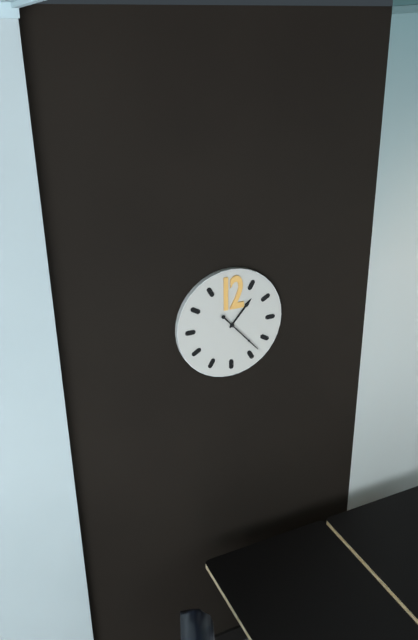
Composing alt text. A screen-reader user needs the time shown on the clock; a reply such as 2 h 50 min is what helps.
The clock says 1 h 23 min
